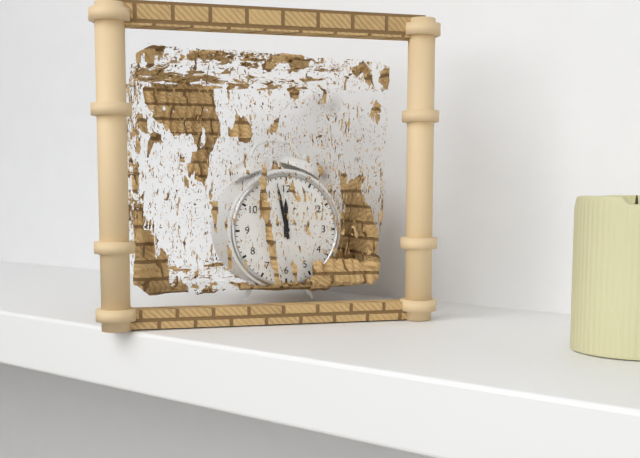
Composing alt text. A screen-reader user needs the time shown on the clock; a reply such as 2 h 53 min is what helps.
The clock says 11 h 58 min
